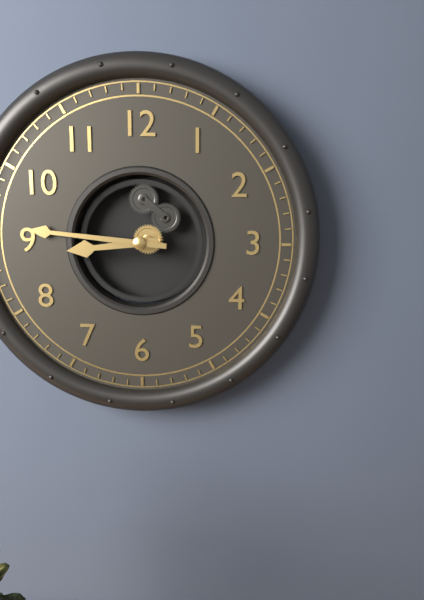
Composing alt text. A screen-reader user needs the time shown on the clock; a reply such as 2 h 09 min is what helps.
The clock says 8 h 46 min
